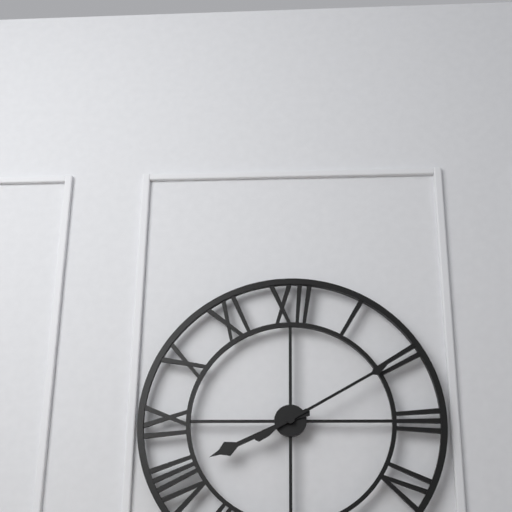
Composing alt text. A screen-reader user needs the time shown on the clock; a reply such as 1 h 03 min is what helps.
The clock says 8 h 10 min
